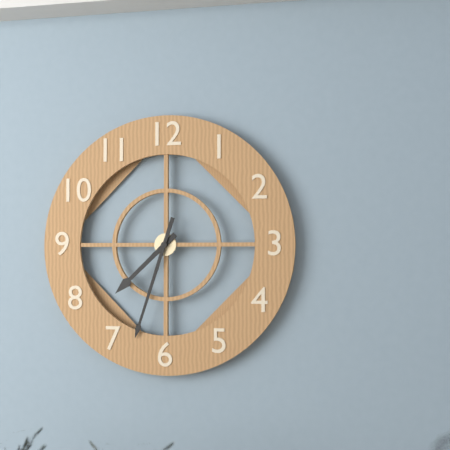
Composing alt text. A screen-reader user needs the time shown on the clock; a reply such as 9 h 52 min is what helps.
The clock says 7 h 33 min
